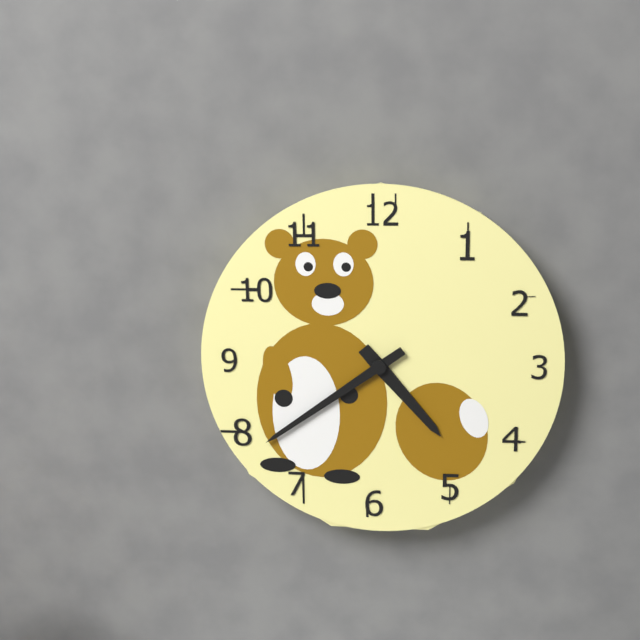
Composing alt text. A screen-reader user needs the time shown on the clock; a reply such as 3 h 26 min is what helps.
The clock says 4 h 39 min
